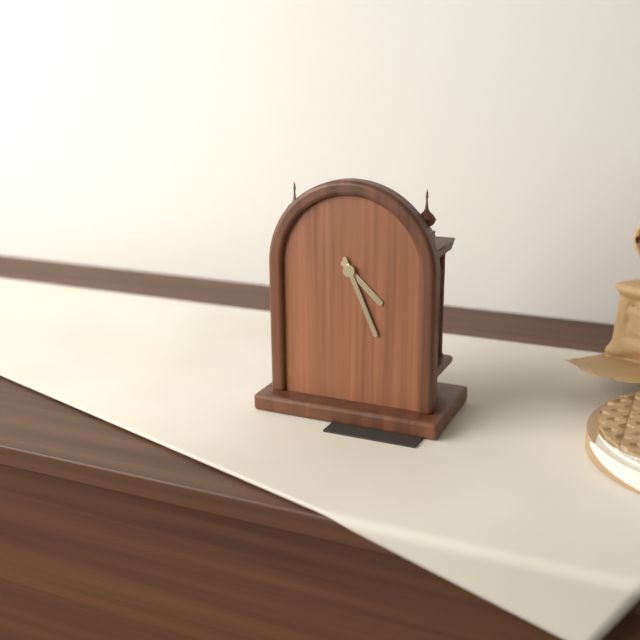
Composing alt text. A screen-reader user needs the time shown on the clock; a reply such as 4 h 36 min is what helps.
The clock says 4 h 26 min
